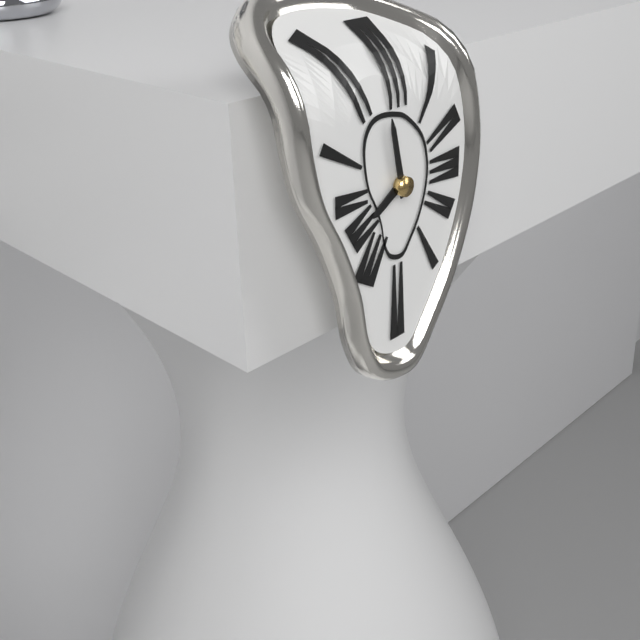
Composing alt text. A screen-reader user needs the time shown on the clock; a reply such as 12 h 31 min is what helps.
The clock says 7 h 58 min
